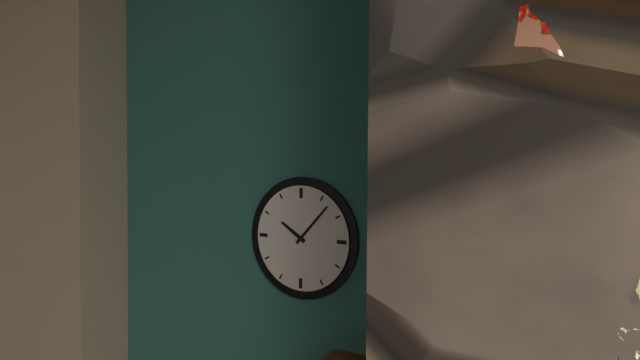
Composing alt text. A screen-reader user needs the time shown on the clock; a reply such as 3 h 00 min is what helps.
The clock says 10 h 07 min
